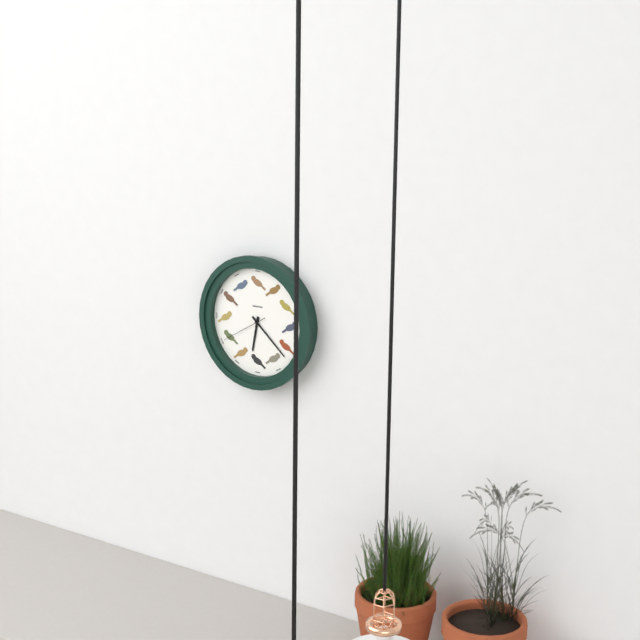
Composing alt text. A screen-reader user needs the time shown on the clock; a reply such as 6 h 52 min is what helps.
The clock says 6 h 22 min
